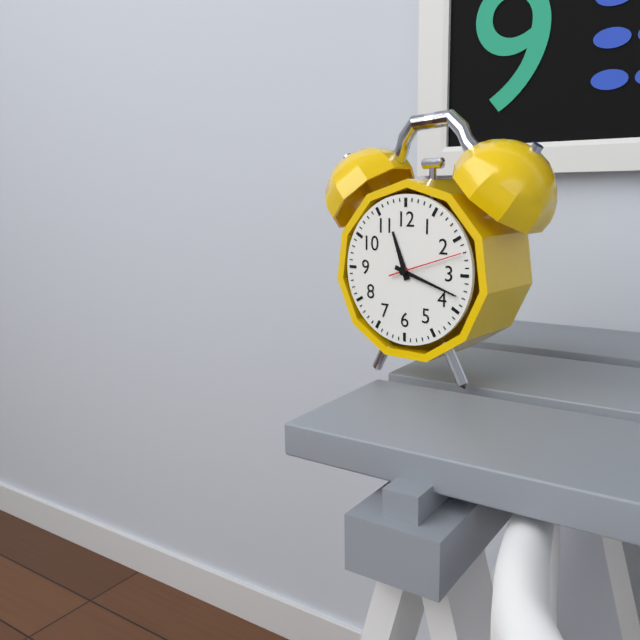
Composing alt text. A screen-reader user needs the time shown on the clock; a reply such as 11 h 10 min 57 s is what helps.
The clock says 11 h 18 min 12 s
